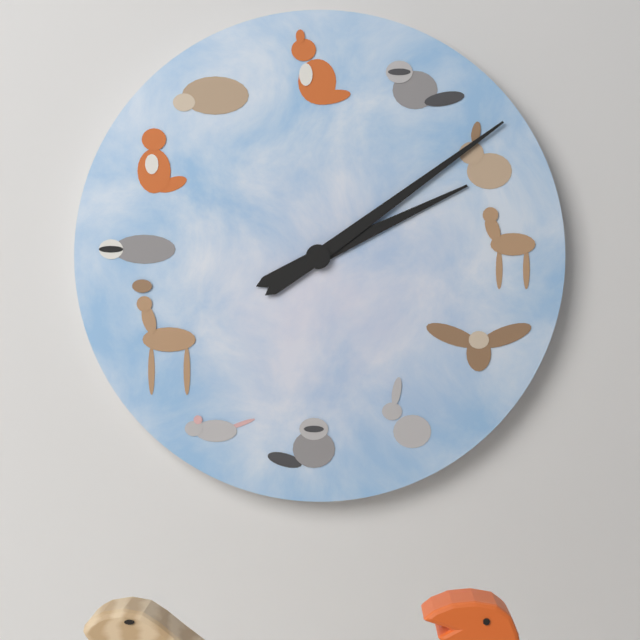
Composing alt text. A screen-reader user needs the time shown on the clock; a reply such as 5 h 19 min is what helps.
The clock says 2 h 09 min
